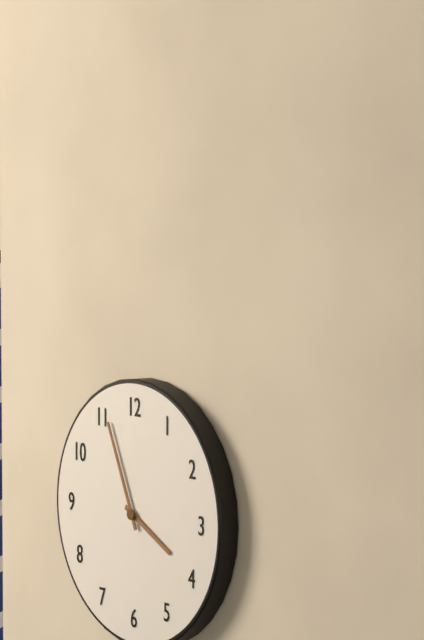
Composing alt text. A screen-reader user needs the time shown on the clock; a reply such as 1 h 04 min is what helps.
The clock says 3 h 56 min
